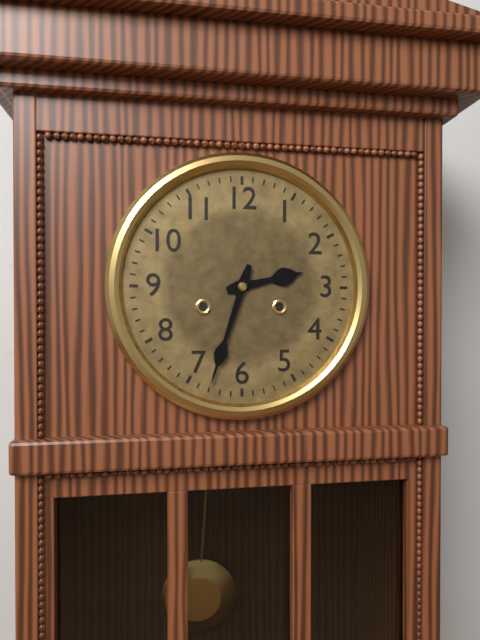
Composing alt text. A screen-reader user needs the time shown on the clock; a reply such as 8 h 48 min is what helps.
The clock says 2 h 33 min
